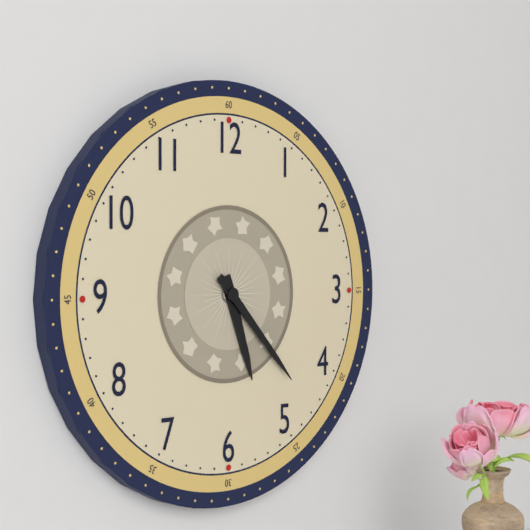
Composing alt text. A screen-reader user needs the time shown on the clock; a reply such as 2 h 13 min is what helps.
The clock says 5 h 23 min
